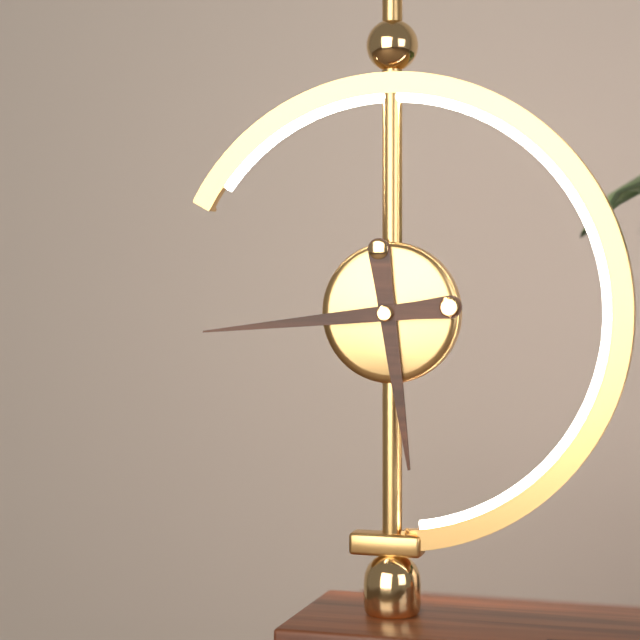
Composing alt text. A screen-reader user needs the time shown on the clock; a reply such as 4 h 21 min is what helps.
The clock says 5 h 44 min
